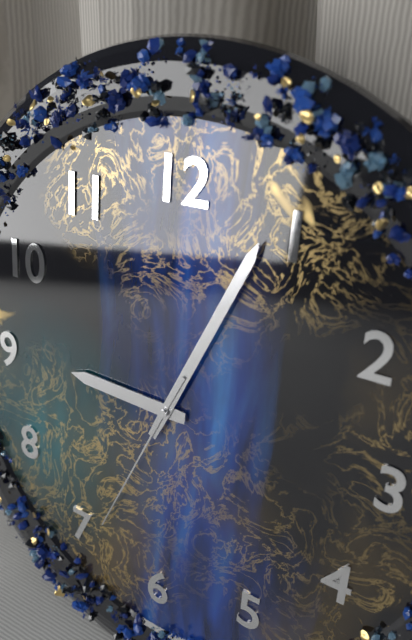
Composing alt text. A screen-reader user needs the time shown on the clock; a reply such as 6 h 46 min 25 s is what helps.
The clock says 9 h 04 min 34 s
